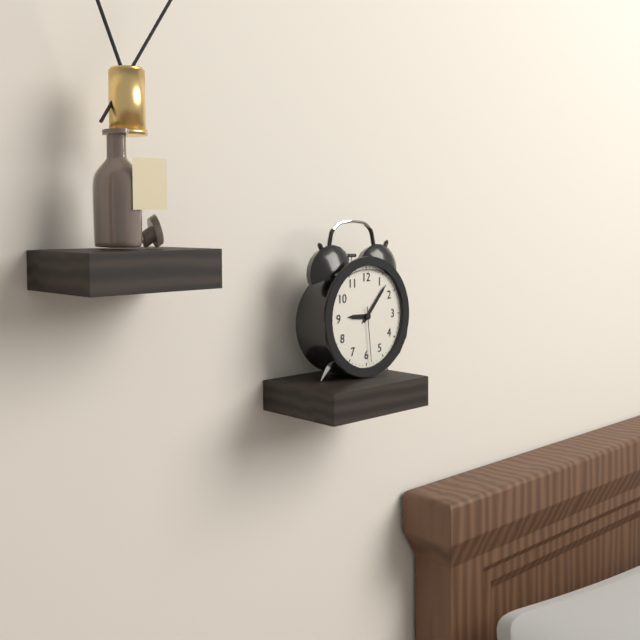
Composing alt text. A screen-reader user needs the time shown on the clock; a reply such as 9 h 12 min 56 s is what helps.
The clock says 9 h 07 min 29 s
